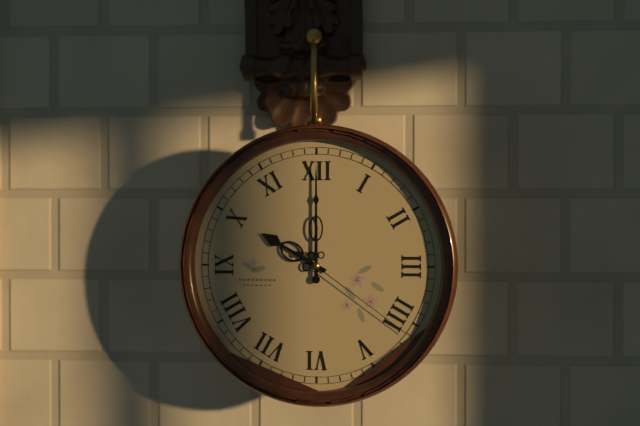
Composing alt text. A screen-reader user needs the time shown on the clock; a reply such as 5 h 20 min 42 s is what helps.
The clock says 10 h 00 min 21 s
